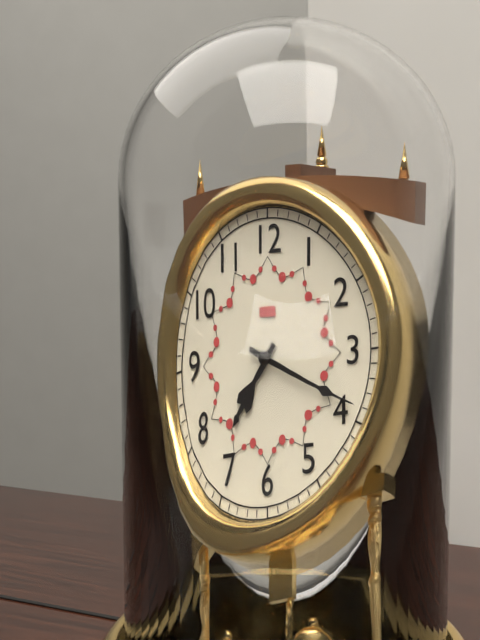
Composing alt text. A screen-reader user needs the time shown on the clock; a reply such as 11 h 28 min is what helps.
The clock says 7 h 19 min
